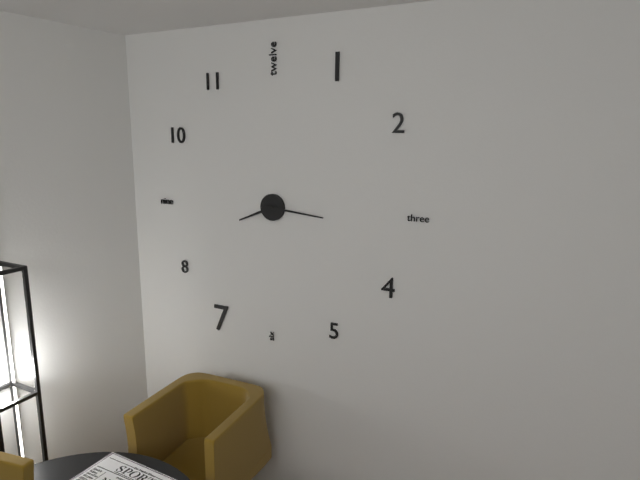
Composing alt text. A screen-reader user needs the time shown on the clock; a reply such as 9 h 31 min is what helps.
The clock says 8 h 16 min
